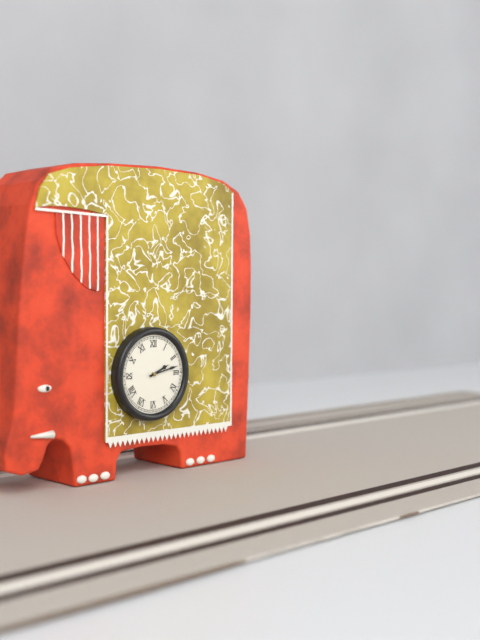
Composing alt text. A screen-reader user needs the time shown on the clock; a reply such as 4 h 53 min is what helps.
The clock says 2 h 13 min
